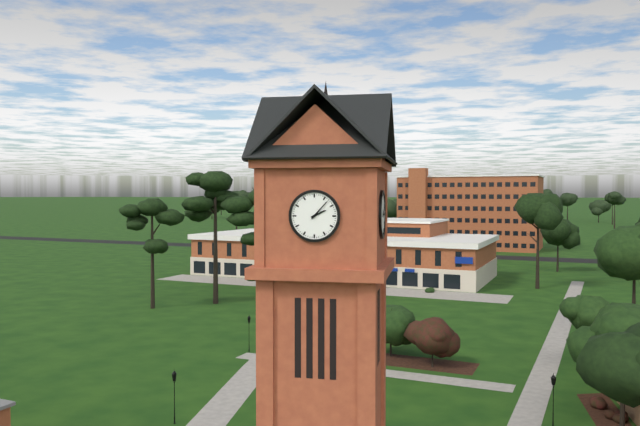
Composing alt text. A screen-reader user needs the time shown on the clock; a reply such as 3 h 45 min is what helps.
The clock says 2 h 07 min
